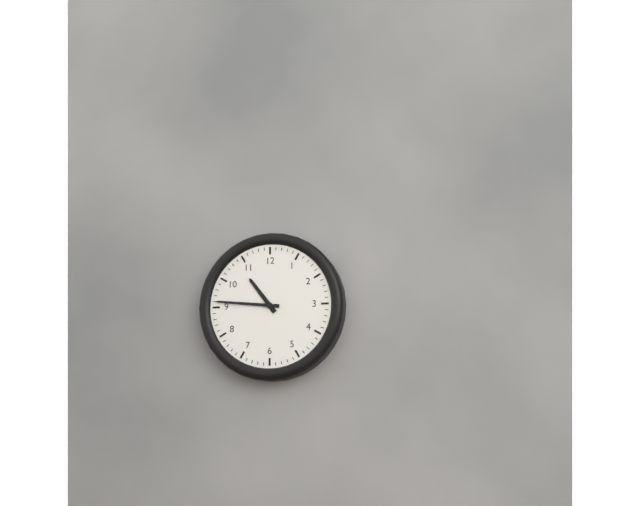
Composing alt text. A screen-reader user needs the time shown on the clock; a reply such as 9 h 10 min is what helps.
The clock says 10 h 46 min
